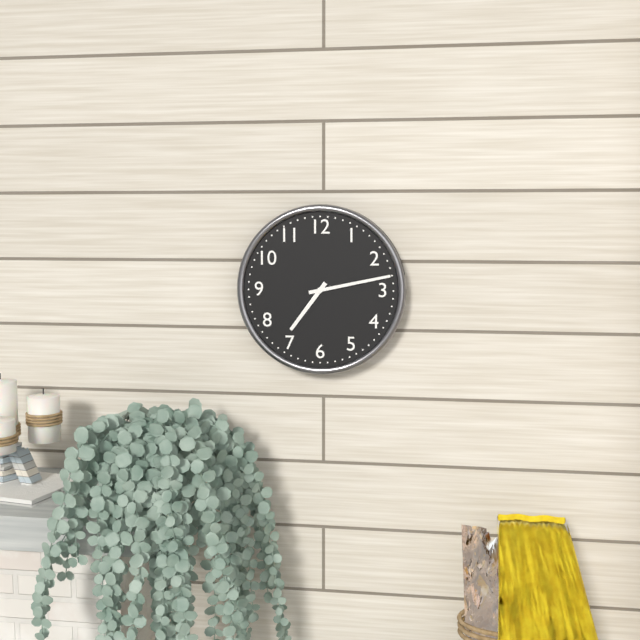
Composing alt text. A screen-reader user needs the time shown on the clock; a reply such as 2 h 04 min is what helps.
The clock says 7 h 13 min
